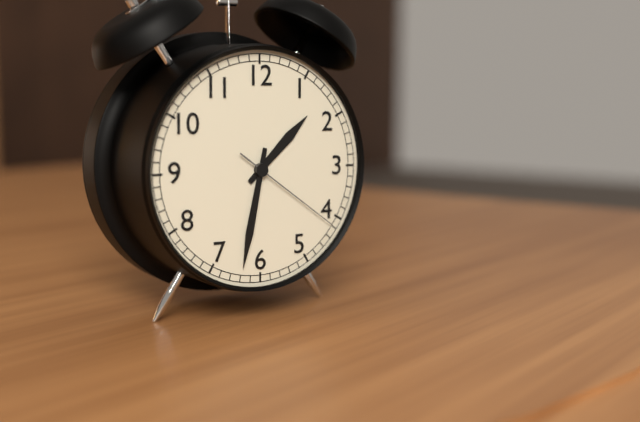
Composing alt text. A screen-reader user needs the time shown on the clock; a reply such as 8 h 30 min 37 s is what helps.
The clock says 1 h 32 min 21 s
